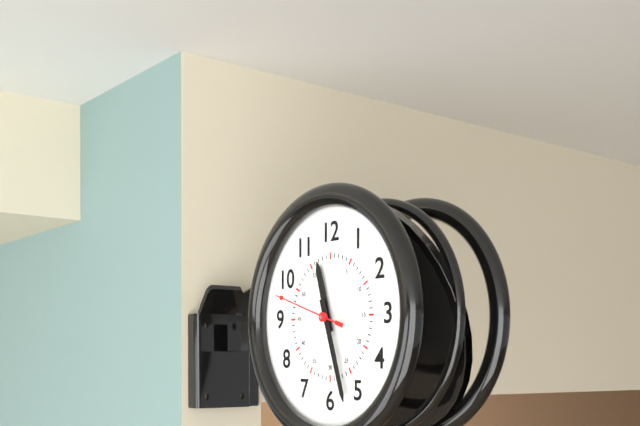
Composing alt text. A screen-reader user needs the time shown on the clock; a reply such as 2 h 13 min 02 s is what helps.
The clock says 11 h 27 min 48 s
